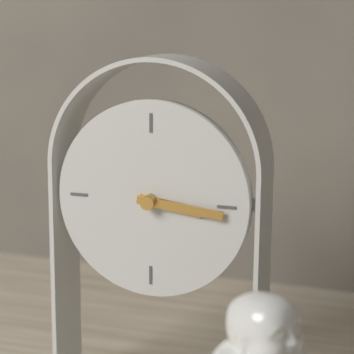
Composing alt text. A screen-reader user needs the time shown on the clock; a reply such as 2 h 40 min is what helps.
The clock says 3 h 16 min
